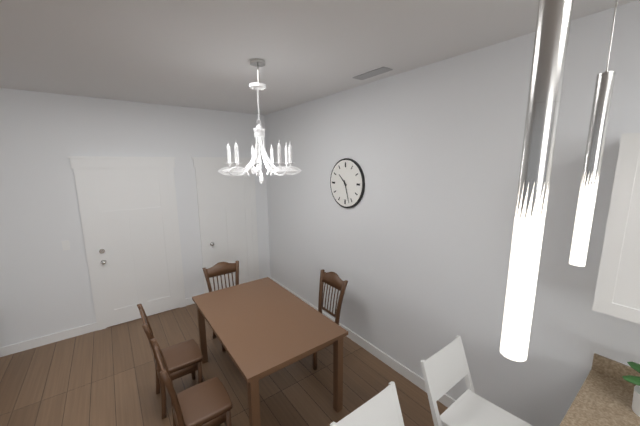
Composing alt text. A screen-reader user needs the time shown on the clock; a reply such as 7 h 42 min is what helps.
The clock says 10 h 27 min
